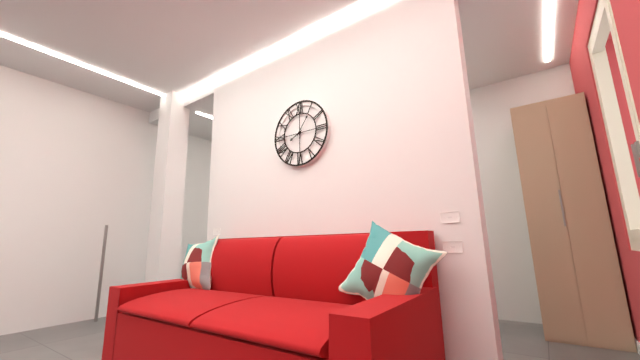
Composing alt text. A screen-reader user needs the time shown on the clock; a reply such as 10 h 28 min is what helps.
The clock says 8 h 06 min
